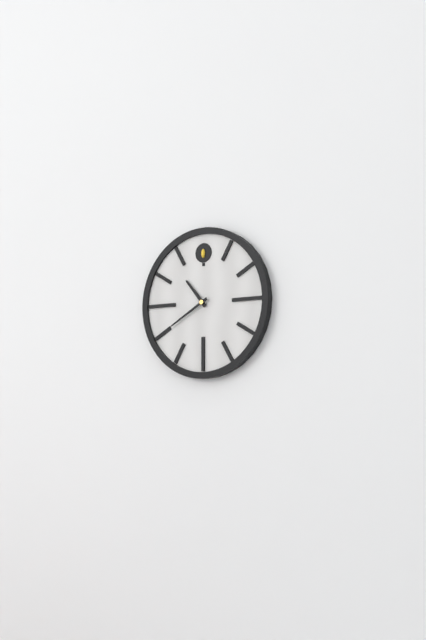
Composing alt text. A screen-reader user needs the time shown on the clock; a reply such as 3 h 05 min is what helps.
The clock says 10 h 40 min
